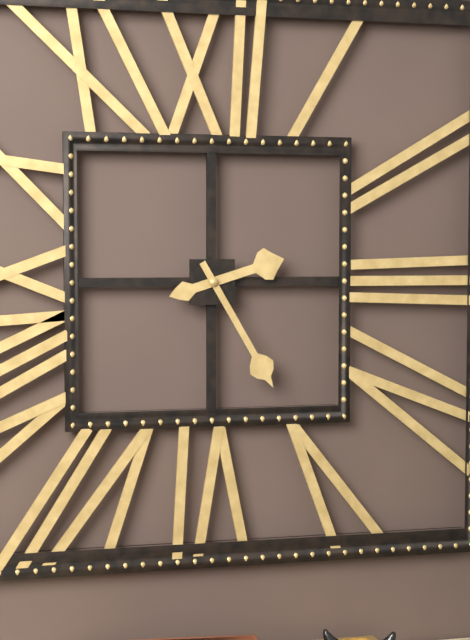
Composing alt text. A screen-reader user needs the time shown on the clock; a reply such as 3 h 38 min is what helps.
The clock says 2 h 25 min
